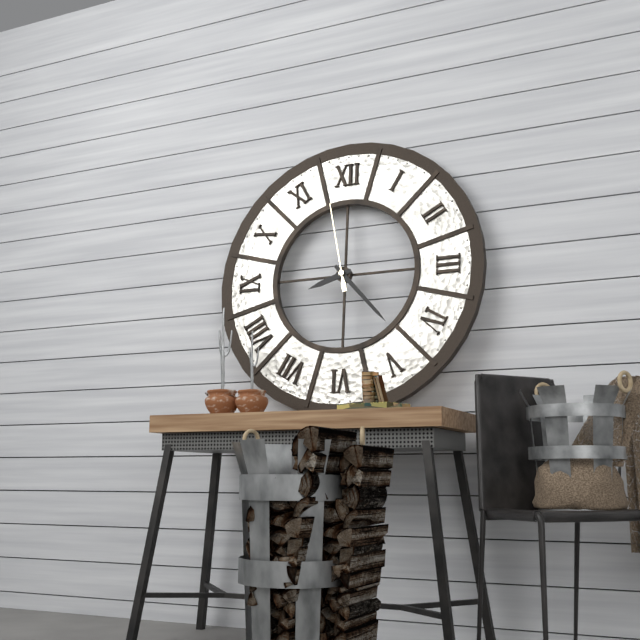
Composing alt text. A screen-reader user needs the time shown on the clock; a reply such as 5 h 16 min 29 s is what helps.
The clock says 8 h 23 min 58 s
